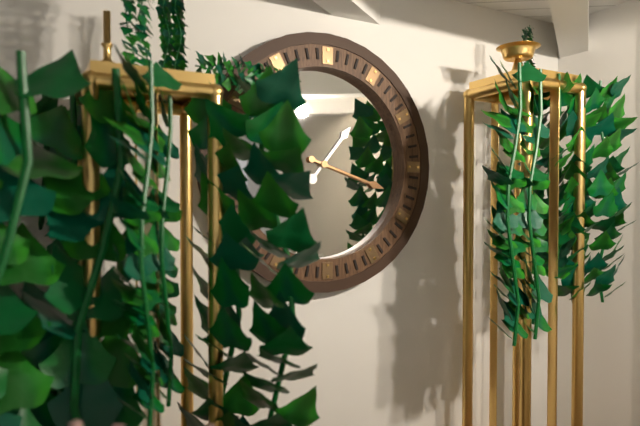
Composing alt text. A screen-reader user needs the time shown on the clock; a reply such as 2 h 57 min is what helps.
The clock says 1 h 18 min
